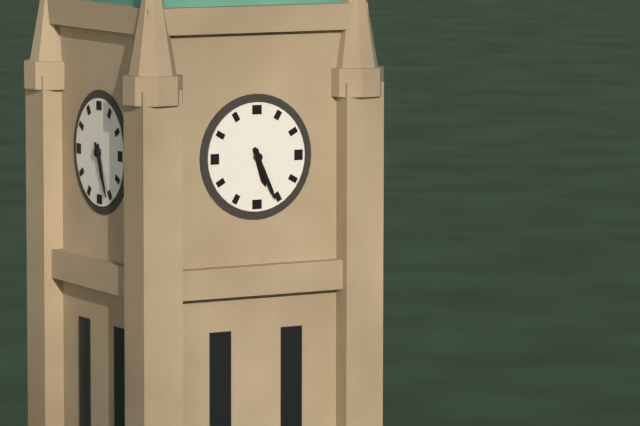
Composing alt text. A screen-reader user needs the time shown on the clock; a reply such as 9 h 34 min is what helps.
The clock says 5 h 26 min
